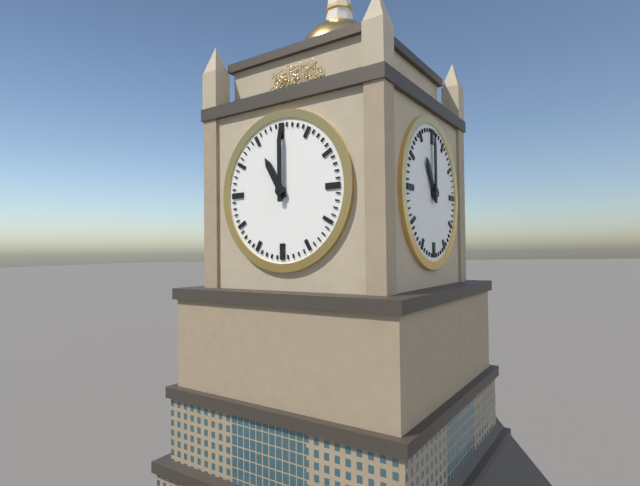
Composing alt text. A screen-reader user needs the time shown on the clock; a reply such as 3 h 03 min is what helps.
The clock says 11 h 00 min
